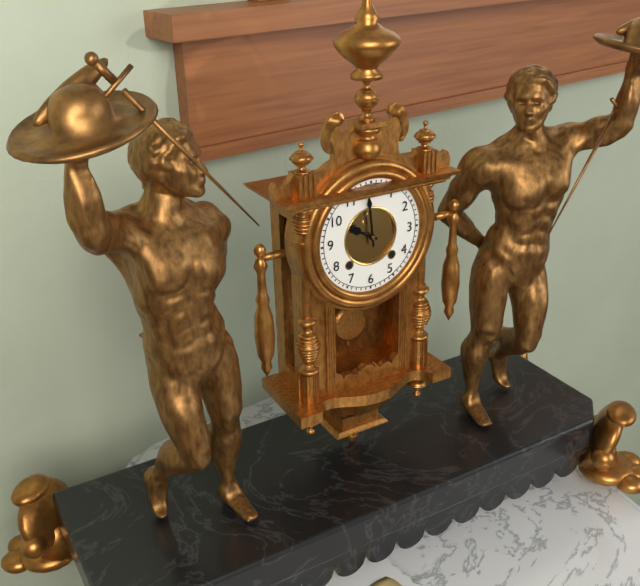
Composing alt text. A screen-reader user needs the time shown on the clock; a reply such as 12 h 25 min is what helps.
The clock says 9 h 59 min
